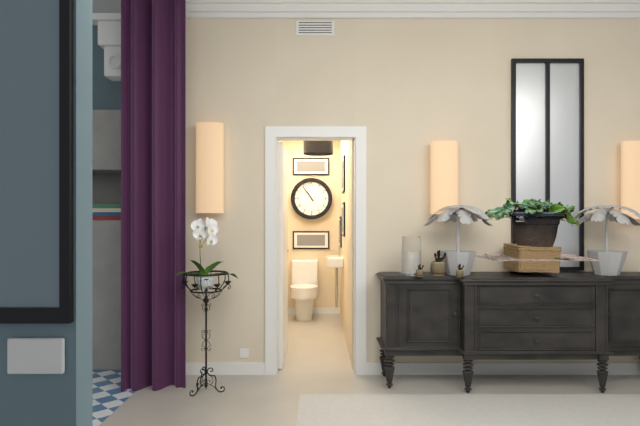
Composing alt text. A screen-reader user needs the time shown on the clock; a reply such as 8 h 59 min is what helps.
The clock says 10 h 54 min
